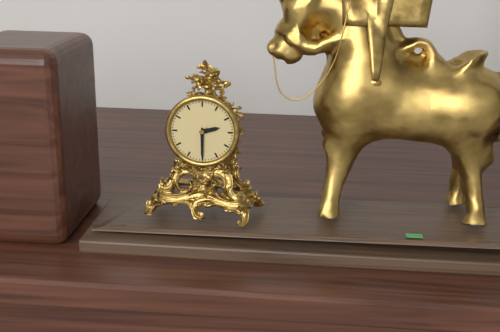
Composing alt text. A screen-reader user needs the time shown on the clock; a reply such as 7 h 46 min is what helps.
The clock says 2 h 30 min
